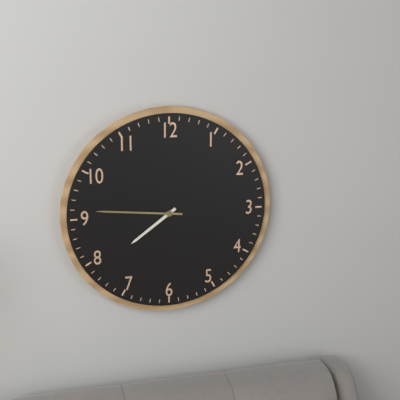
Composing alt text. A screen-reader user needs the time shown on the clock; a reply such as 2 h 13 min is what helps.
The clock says 7 h 46 min
